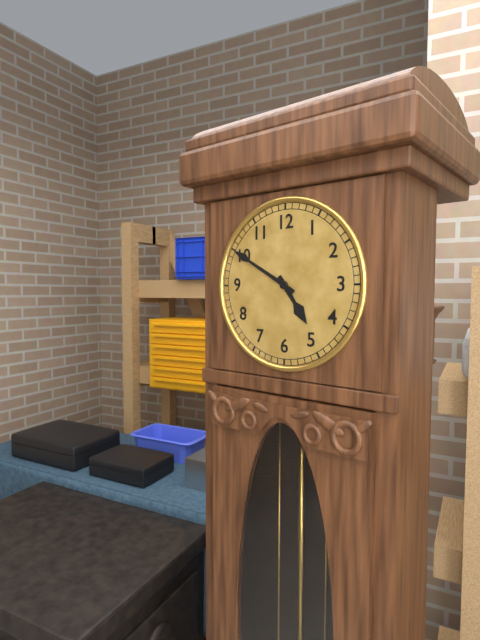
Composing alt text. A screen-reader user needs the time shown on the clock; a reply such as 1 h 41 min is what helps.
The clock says 4 h 50 min
